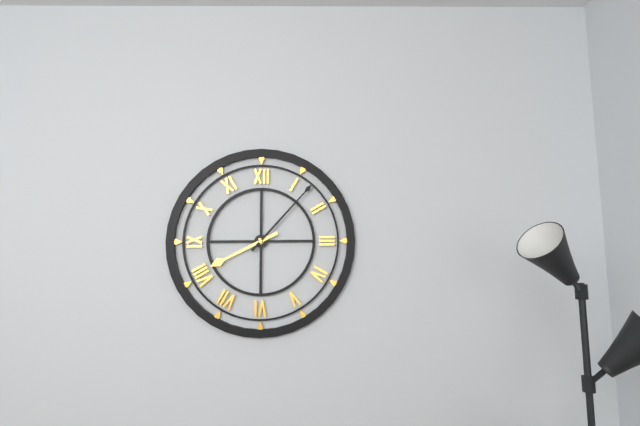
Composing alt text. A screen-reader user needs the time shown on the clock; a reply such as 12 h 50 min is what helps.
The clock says 8 h 07 min
